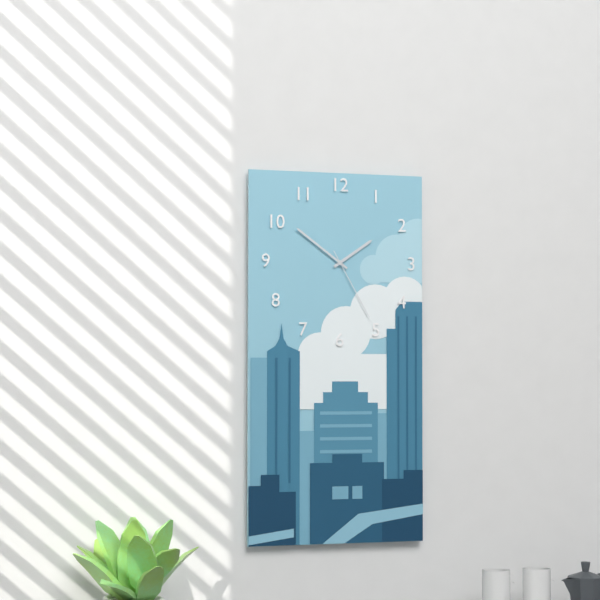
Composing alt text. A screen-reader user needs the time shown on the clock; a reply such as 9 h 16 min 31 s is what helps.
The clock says 1 h 51 min 25 s
